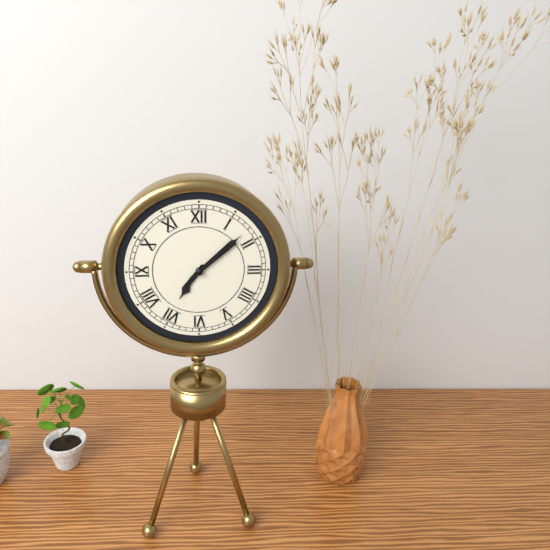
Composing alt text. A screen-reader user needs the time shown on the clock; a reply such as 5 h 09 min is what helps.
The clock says 7 h 08 min
